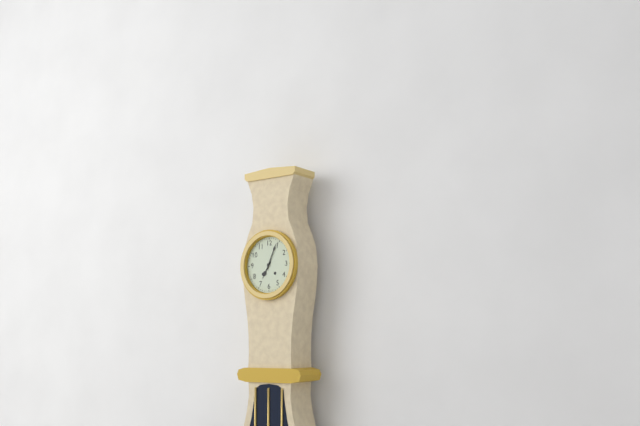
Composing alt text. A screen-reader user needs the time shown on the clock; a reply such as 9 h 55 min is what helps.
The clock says 7 h 04 min
